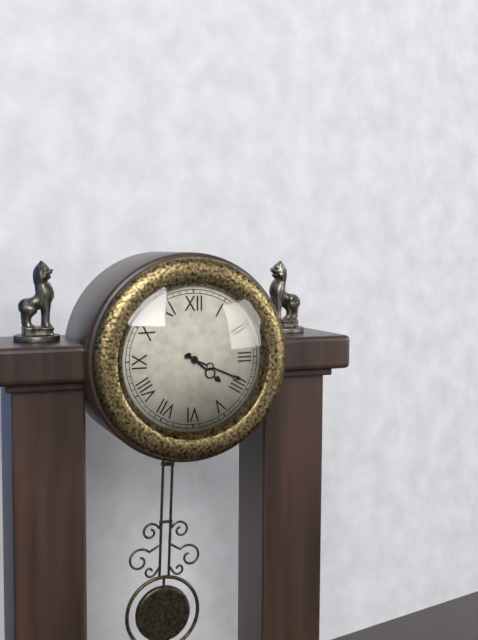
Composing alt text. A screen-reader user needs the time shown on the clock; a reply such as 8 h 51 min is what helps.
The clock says 4 h 19 min
